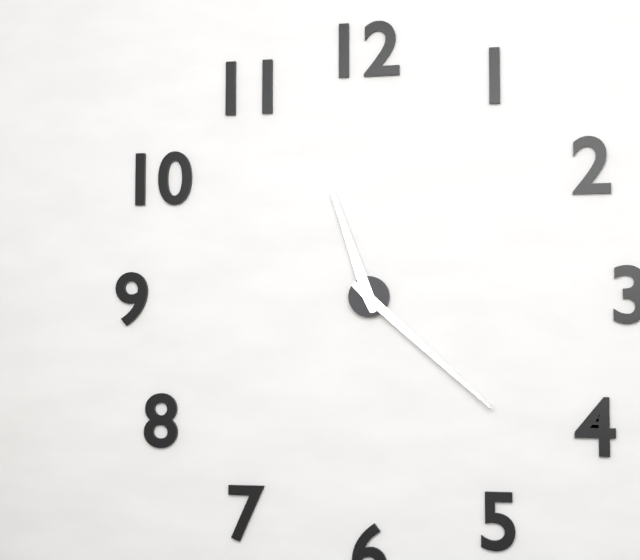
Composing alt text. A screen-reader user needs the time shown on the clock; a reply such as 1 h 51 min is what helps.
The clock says 11 h 22 min
